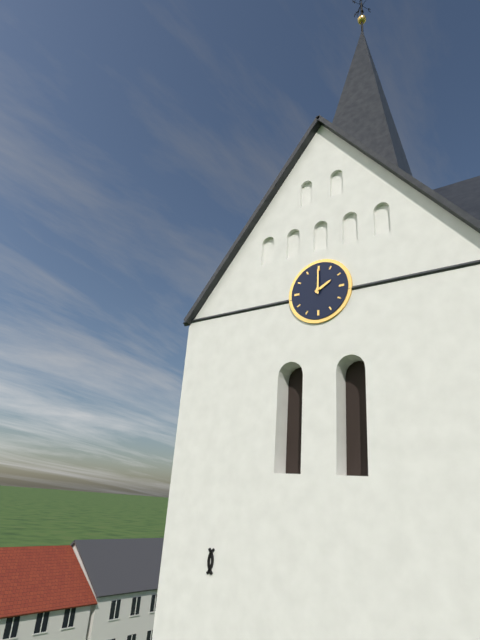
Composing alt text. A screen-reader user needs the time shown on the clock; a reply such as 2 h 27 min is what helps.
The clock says 2 h 00 min
